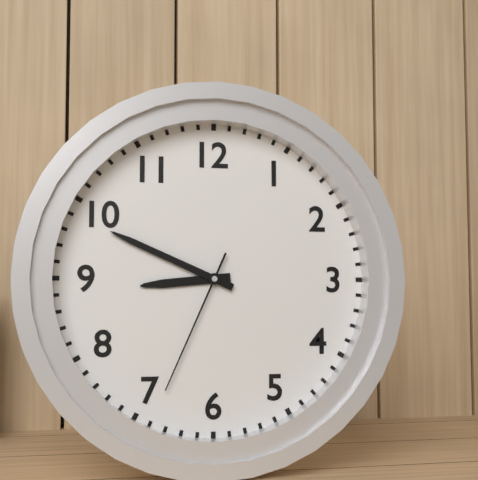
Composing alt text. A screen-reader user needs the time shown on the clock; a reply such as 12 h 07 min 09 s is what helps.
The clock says 8 h 49 min 34 s
